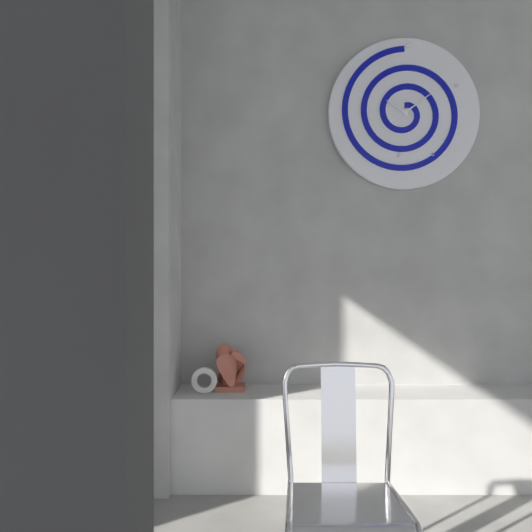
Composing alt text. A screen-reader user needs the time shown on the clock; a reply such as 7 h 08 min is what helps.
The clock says 10 h 09 min
